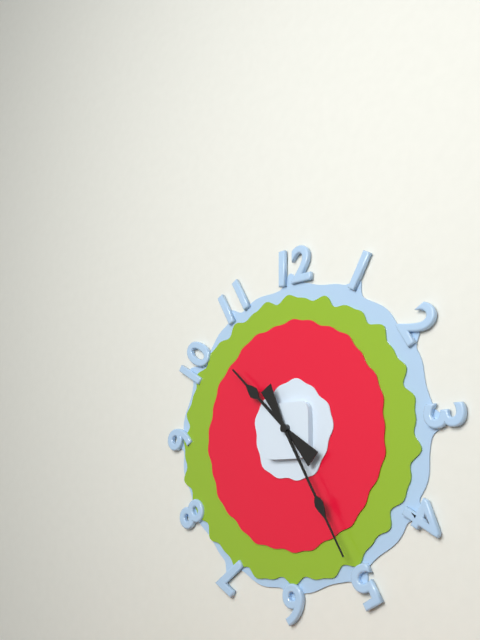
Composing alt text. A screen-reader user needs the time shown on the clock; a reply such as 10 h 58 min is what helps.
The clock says 10 h 25 min
